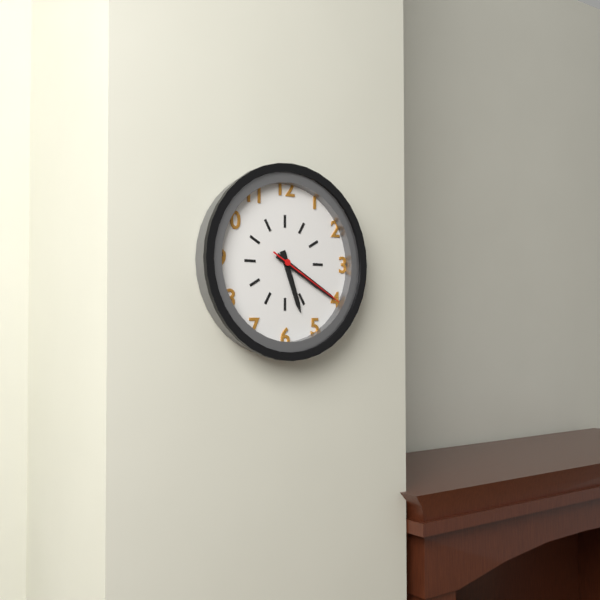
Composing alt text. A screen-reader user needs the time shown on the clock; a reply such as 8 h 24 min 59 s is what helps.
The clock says 5 h 20 min 20 s
